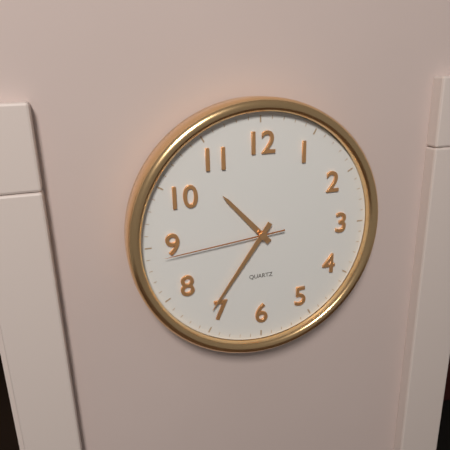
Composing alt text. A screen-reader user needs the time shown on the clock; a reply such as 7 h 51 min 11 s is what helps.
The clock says 10 h 36 min 44 s
